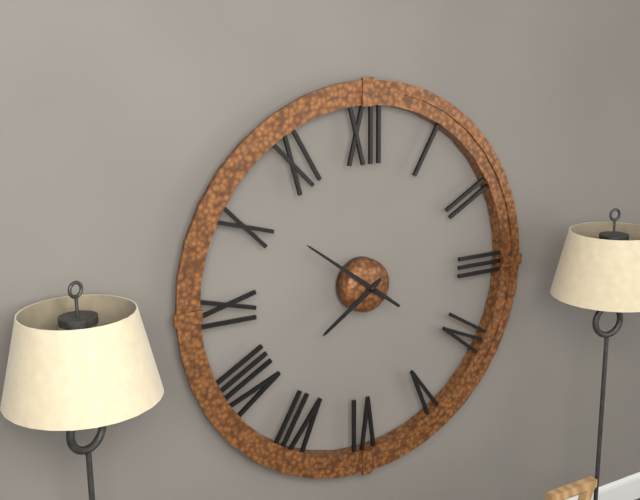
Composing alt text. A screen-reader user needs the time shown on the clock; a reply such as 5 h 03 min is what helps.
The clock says 7 h 51 min
